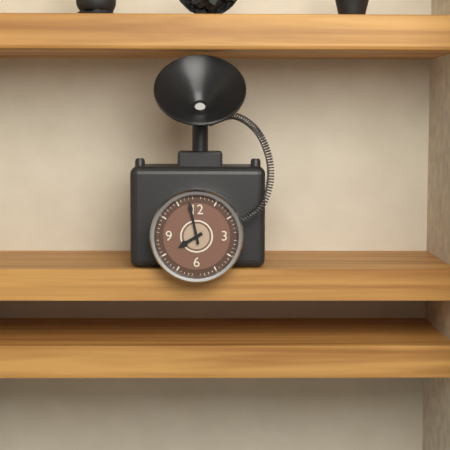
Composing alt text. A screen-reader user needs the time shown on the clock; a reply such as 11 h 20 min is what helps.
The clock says 7 h 58 min
